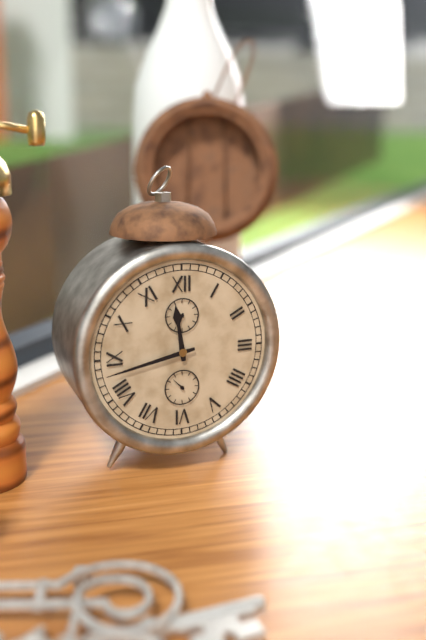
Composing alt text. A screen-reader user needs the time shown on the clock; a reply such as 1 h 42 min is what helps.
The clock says 11 h 43 min
